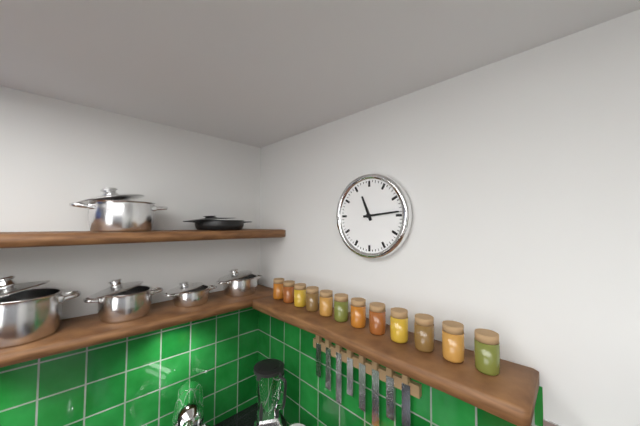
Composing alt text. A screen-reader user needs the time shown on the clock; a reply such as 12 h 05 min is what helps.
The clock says 11 h 14 min
